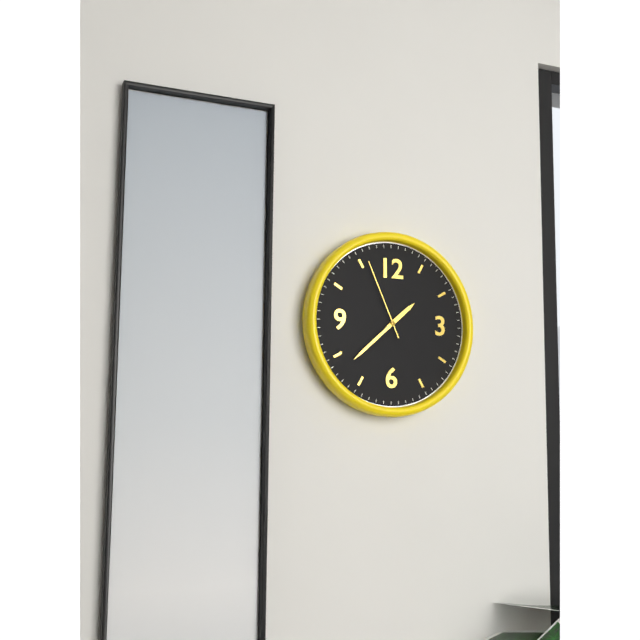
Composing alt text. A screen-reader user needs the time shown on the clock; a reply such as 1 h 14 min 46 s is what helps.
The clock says 1 h 38 min 56 s
